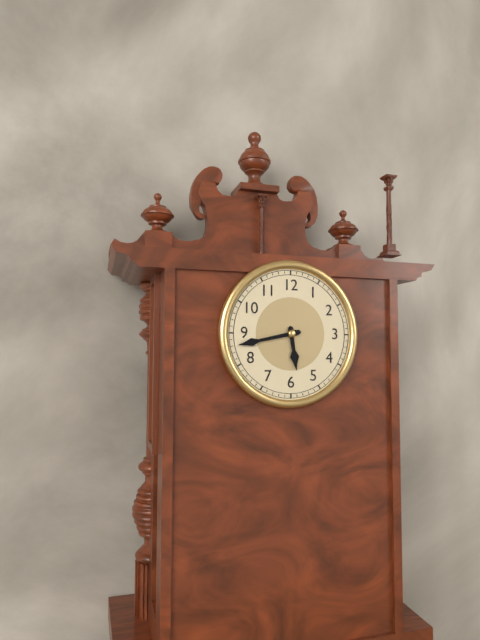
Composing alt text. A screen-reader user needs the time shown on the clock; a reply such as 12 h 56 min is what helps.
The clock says 5 h 43 min
